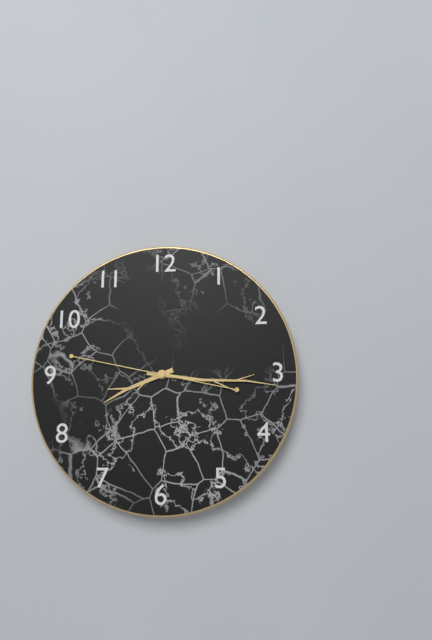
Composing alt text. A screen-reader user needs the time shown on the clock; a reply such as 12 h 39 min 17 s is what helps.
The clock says 8 h 16 min 47 s
